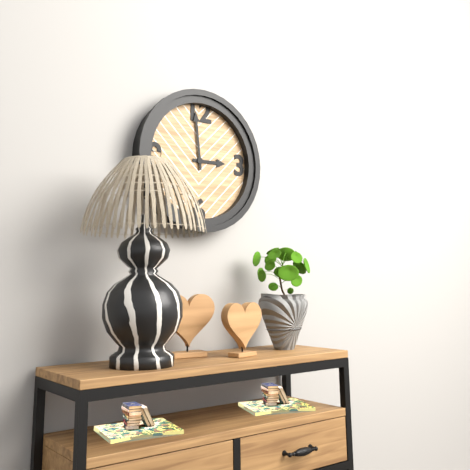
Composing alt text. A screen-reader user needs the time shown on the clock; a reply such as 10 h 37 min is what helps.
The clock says 2 h 59 min
